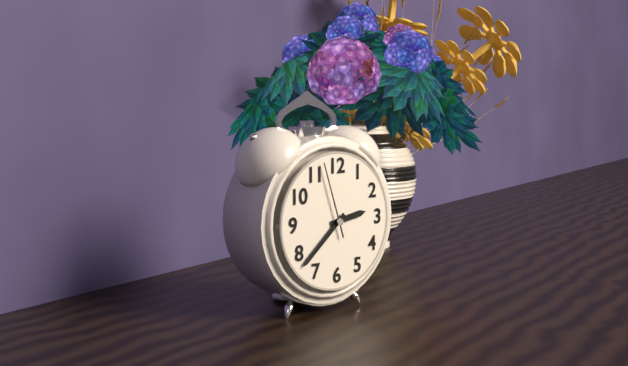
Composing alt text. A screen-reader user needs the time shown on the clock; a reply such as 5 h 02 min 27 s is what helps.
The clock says 2 h 38 min 57 s
